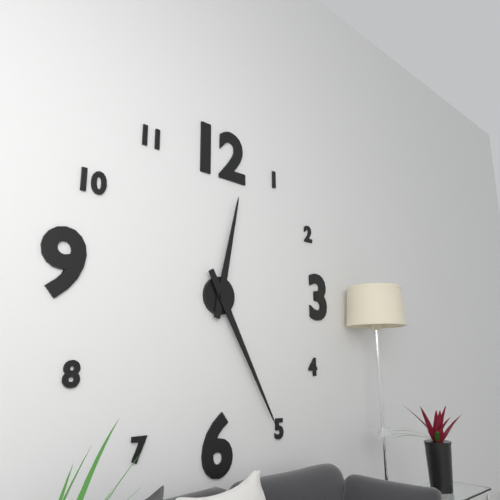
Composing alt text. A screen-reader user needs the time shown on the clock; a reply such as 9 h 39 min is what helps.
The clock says 12 h 25 min
